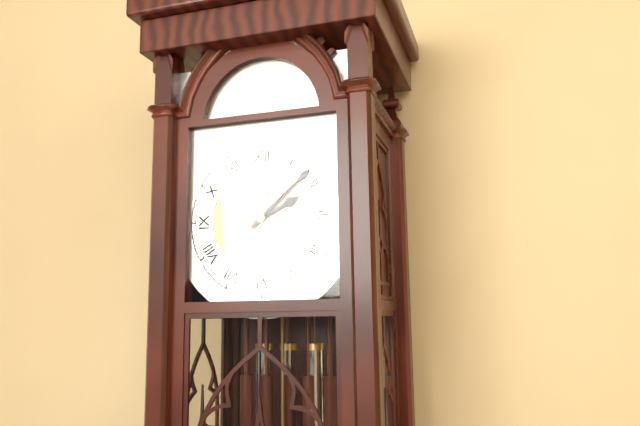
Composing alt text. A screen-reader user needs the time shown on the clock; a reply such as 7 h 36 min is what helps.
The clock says 2 h 08 min
